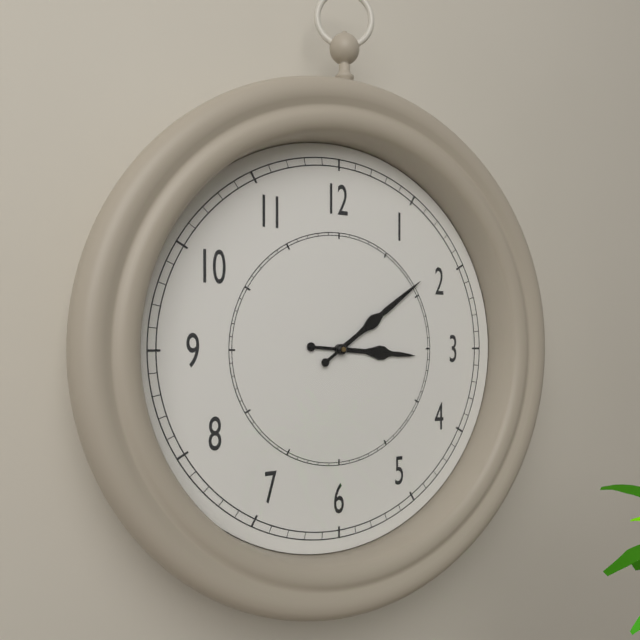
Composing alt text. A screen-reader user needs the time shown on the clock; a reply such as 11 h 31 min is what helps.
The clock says 3 h 09 min
